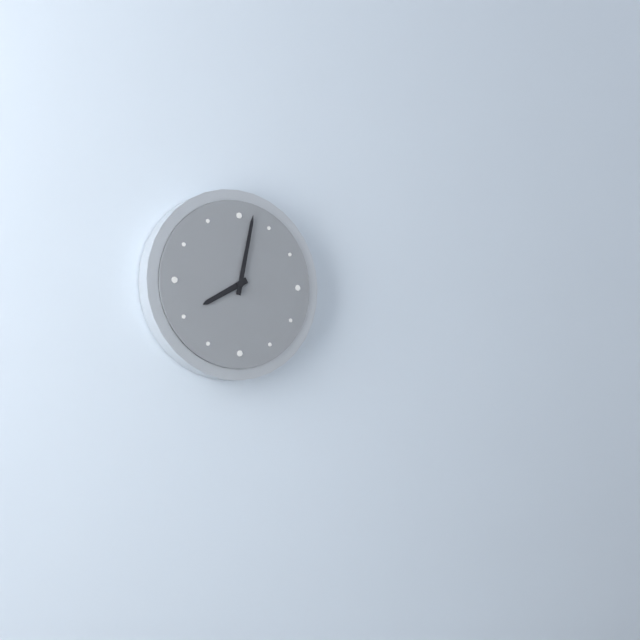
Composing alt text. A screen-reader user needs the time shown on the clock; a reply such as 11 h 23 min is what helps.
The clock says 8 h 02 min
